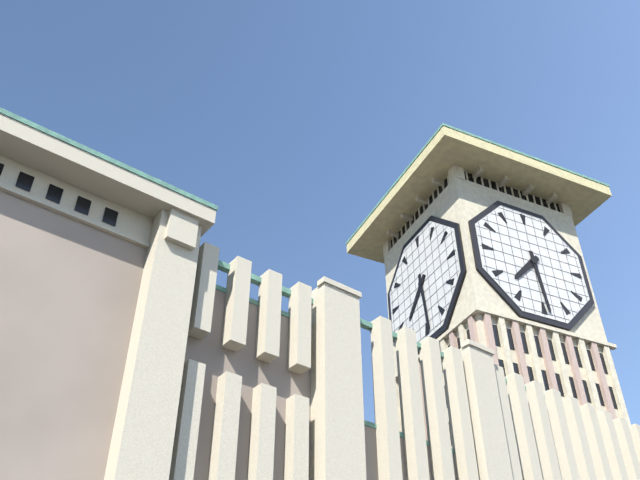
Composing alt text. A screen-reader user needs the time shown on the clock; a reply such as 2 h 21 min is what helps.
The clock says 7 h 29 min
